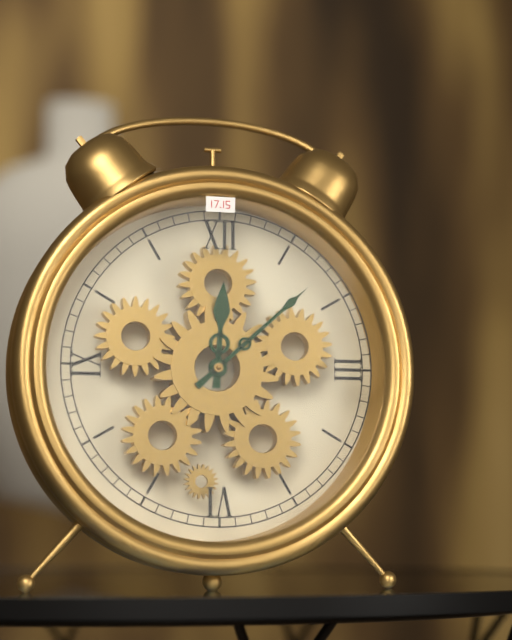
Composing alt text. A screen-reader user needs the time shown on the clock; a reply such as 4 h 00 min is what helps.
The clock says 12 h 08 min
